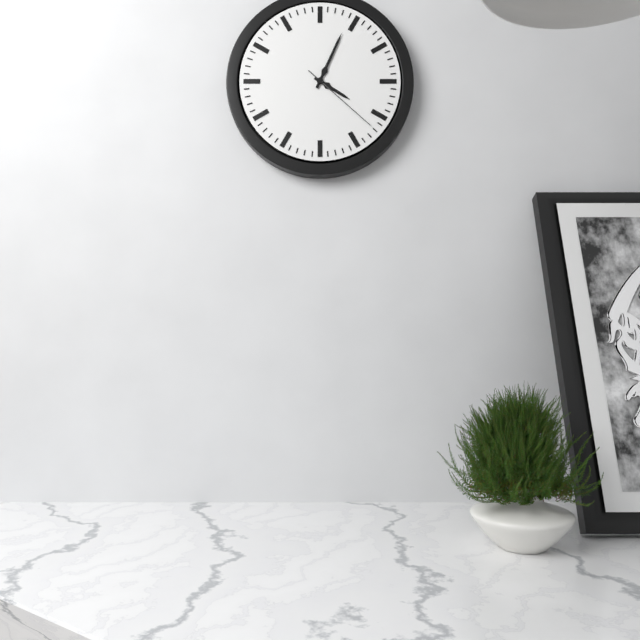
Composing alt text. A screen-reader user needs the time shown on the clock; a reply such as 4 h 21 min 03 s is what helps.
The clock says 4 h 04 min 22 s
